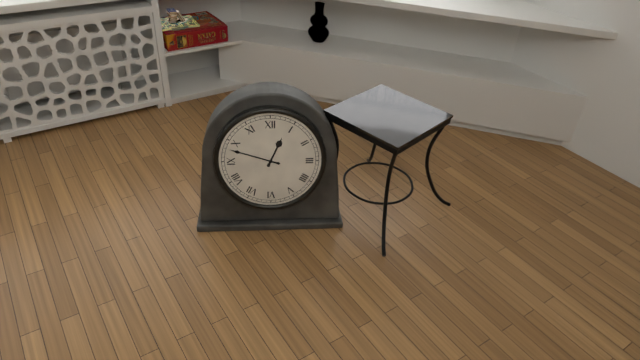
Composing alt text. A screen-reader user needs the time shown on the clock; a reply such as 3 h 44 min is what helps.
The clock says 12 h 48 min
